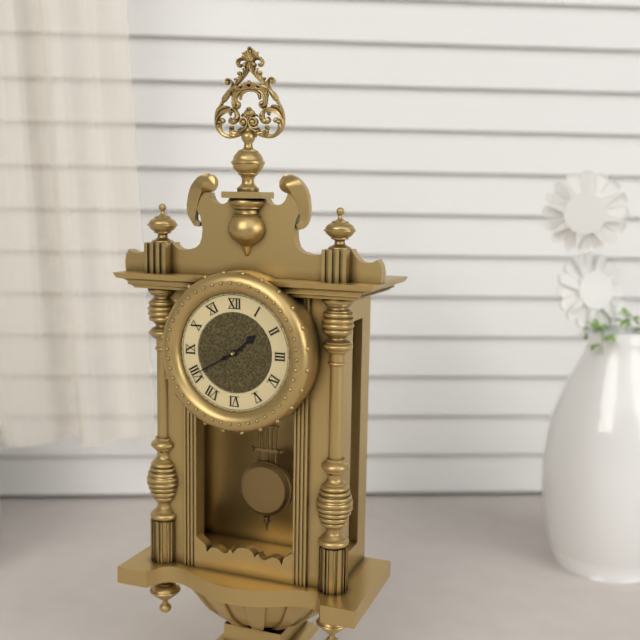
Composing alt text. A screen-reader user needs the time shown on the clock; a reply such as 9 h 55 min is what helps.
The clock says 1 h 40 min
